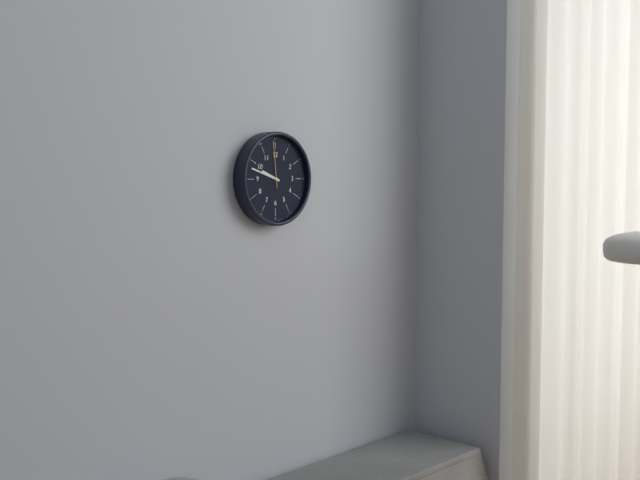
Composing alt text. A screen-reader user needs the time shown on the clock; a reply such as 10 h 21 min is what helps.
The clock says 9 h 48 min
